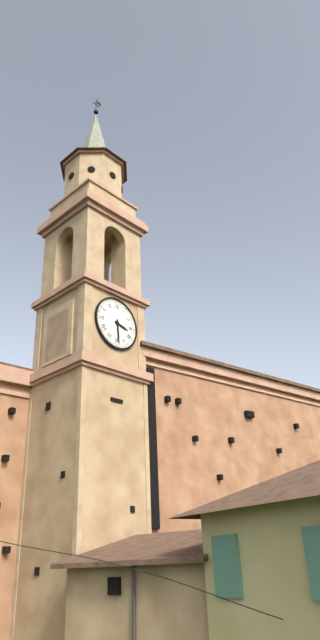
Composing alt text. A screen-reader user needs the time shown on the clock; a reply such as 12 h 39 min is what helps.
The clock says 3 h 29 min
